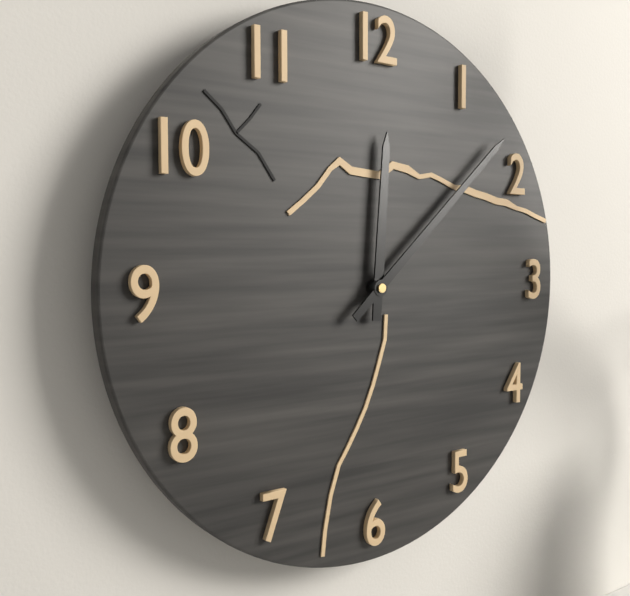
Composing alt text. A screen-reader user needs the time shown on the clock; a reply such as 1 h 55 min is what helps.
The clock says 12 h 08 min
